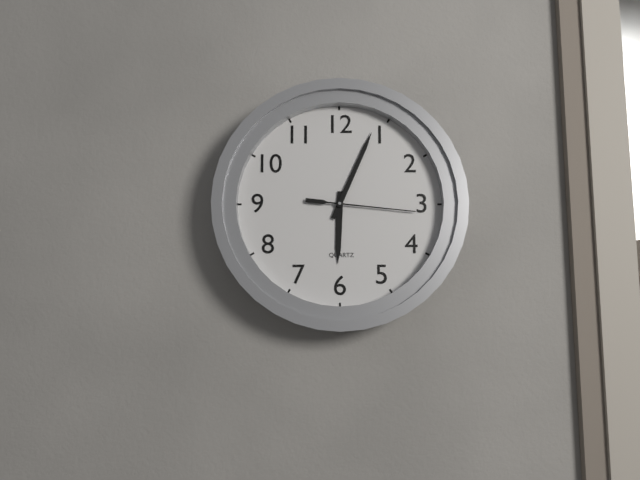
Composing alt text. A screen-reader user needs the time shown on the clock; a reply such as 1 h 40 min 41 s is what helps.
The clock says 6 h 04 min 16 s
